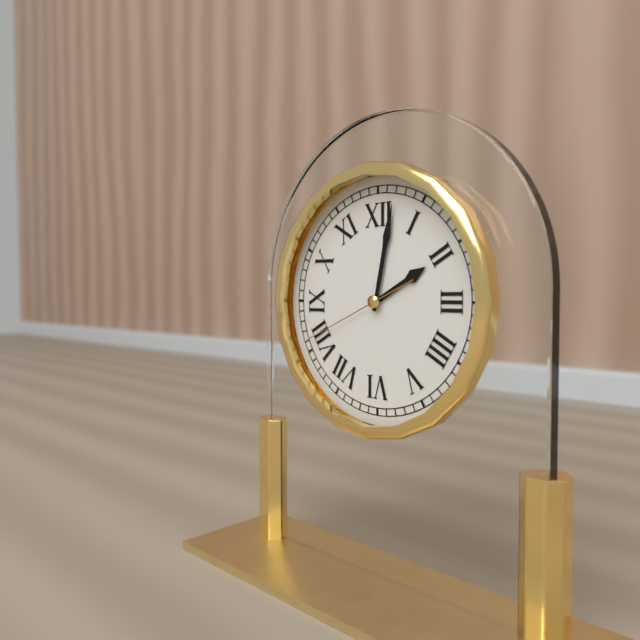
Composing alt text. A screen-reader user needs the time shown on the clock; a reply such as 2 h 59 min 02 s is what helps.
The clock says 2 h 02 min 41 s
